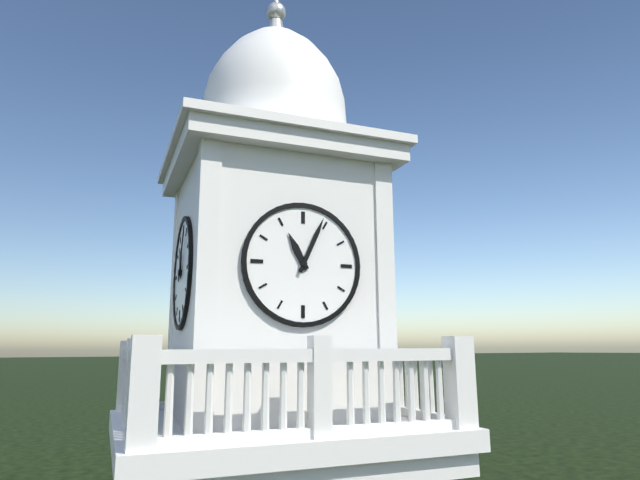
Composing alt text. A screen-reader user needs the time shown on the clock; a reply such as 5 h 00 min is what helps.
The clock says 11 h 04 min
